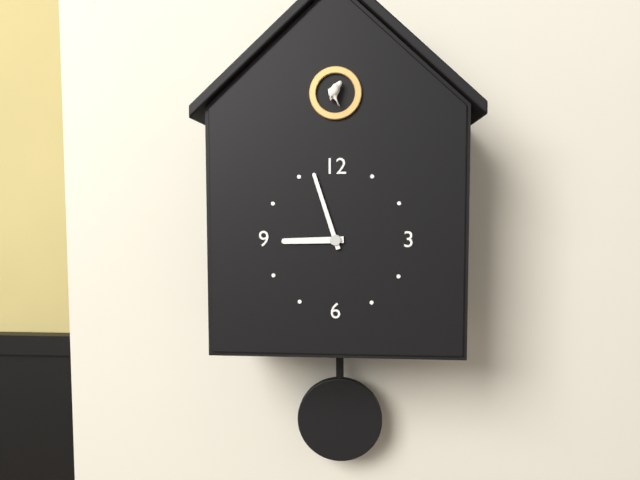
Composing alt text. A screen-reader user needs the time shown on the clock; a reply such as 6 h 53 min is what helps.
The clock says 8 h 57 min
